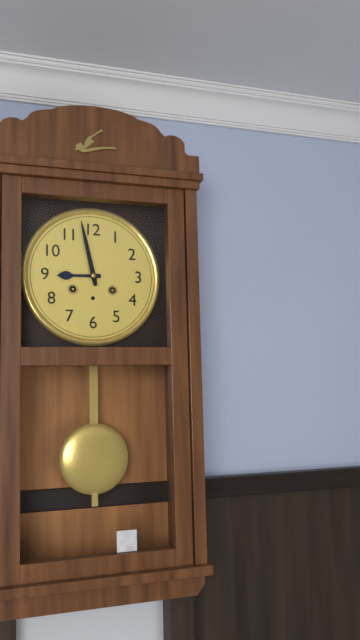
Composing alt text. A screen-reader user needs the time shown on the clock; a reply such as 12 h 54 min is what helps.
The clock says 8 h 58 min
